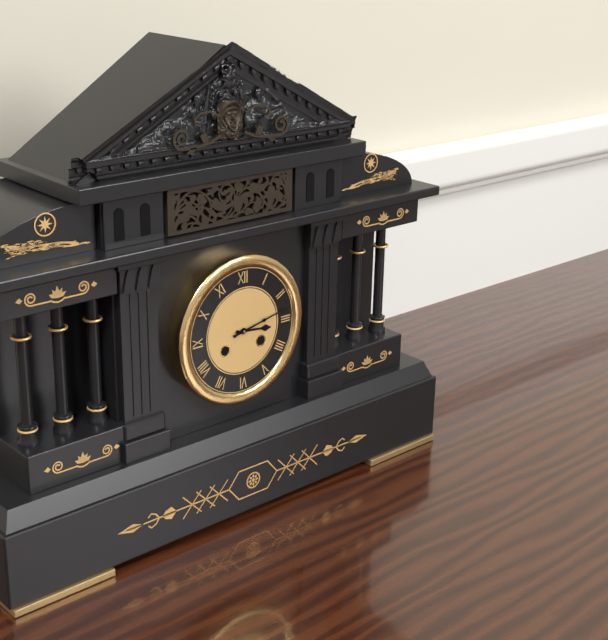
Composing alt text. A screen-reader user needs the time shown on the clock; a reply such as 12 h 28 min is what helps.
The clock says 3 h 13 min
